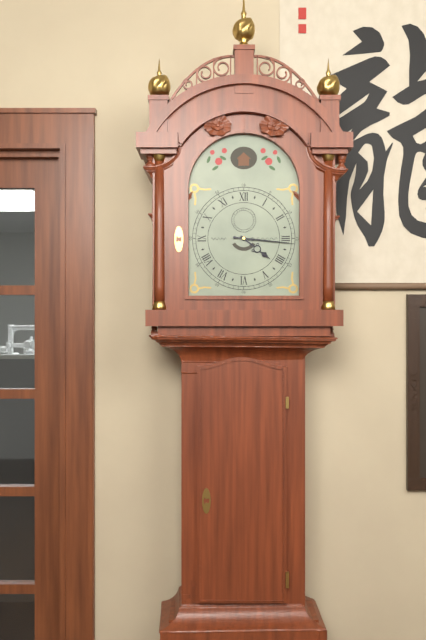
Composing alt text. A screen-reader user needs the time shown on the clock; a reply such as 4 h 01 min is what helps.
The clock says 4 h 16 min
